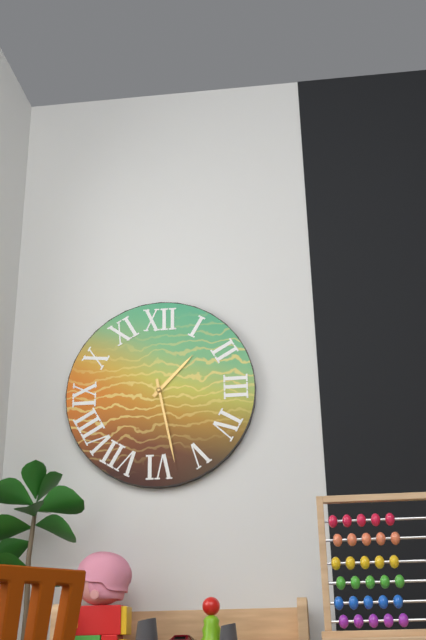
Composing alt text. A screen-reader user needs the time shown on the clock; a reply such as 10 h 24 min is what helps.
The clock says 1 h 28 min
